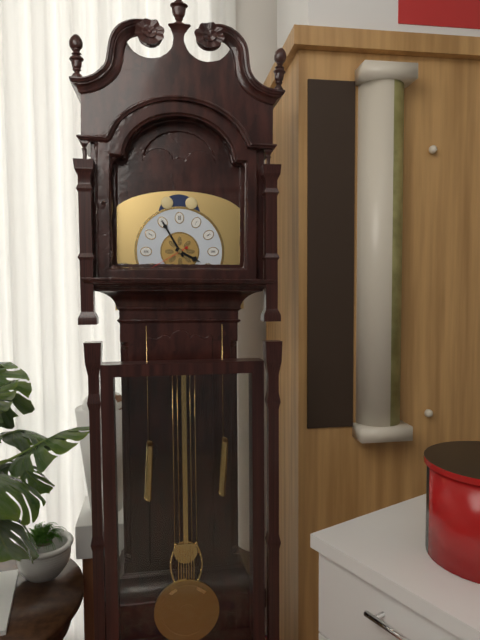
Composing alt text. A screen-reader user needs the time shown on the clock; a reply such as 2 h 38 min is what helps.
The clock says 3 h 55 min
